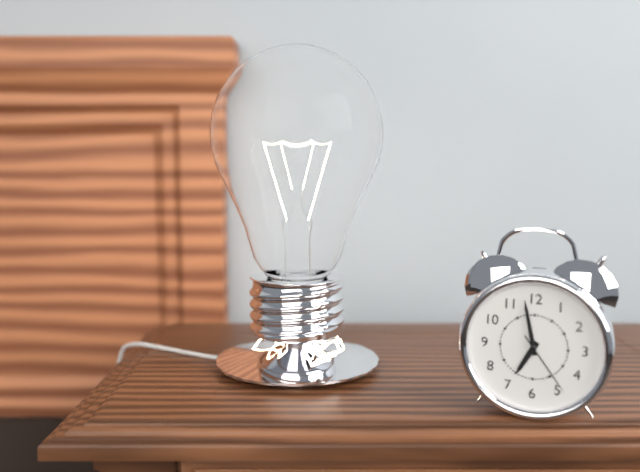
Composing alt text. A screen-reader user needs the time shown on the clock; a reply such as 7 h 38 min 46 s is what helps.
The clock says 6 h 58 min 24 s
